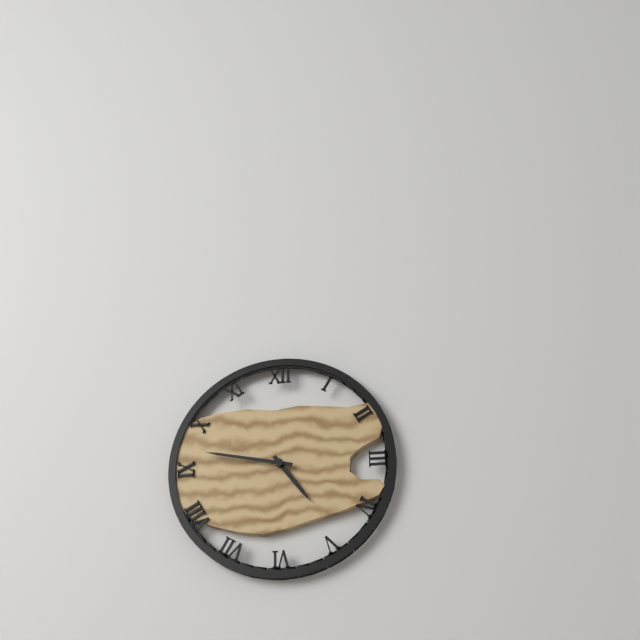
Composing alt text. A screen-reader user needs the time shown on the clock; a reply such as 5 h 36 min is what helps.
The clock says 4 h 47 min
